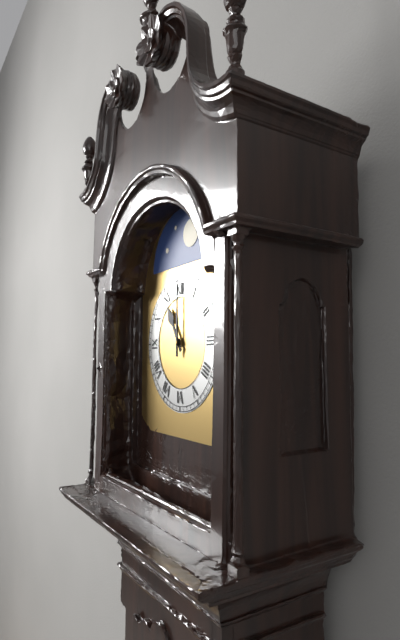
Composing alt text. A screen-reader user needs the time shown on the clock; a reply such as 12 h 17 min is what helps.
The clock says 11 h 00 min
